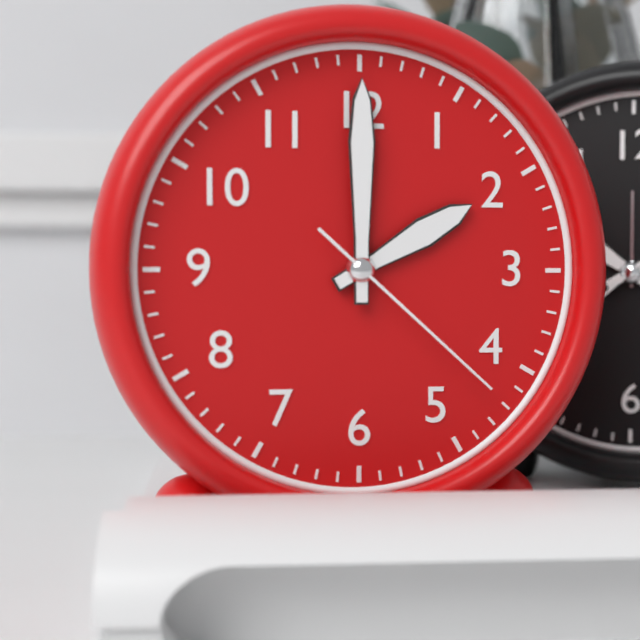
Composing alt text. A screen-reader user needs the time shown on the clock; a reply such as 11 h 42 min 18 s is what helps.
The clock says 2 h 00 min 22 s
